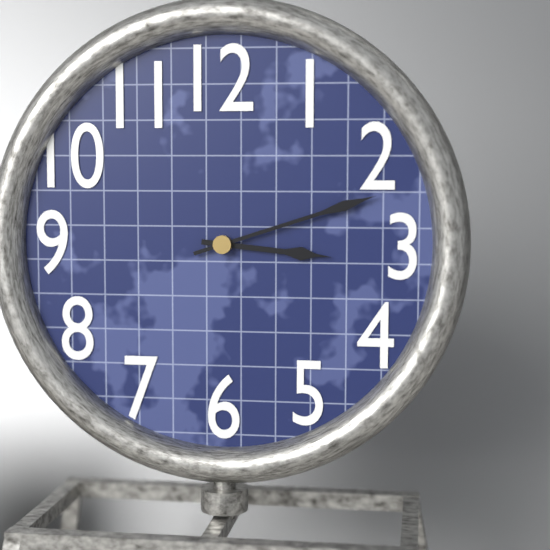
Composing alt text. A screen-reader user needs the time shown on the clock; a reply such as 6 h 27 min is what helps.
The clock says 3 h 12 min
